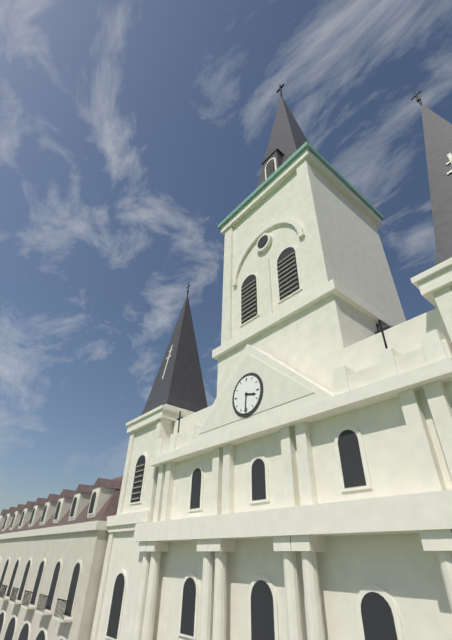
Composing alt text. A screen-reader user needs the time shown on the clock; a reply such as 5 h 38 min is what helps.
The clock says 3 h 31 min
